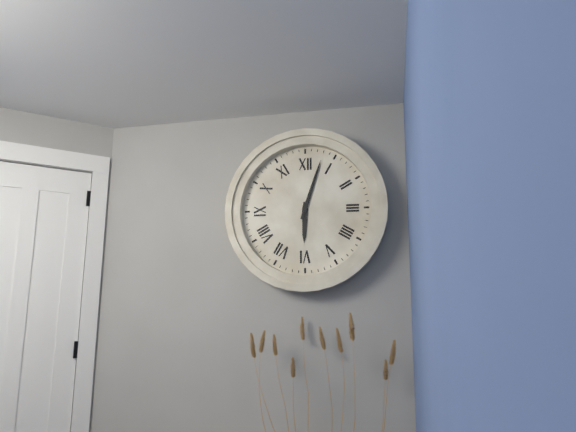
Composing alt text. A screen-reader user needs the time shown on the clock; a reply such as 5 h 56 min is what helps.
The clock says 6 h 03 min
